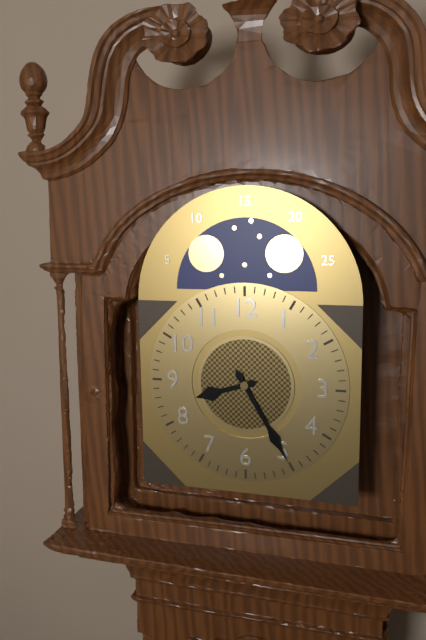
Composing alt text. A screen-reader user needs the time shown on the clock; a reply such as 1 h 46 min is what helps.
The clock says 8 h 25 min
